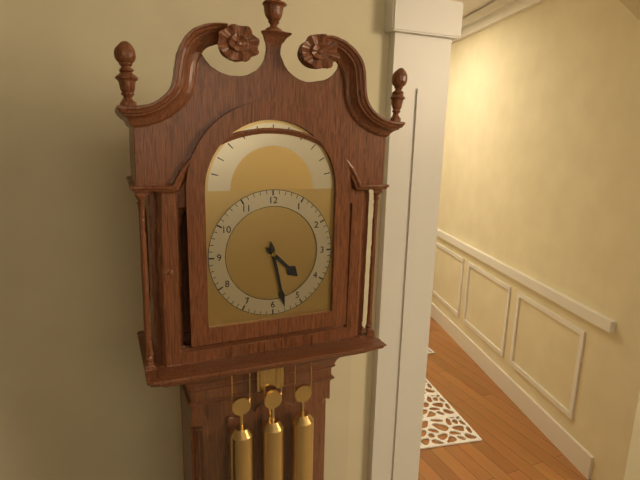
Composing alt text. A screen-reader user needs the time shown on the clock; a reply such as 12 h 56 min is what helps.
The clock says 4 h 28 min
